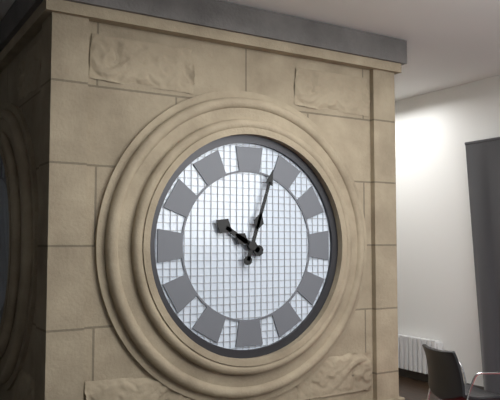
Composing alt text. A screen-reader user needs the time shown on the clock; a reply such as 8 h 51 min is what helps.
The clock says 10 h 03 min
